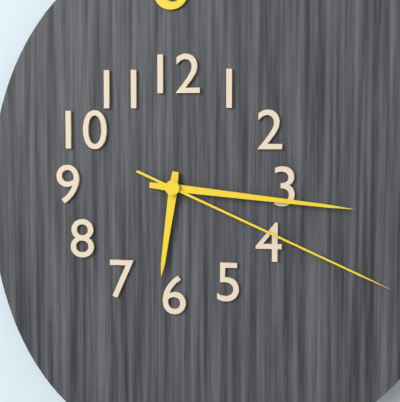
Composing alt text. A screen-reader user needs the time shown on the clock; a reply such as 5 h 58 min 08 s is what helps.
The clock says 6 h 16 min 19 s
